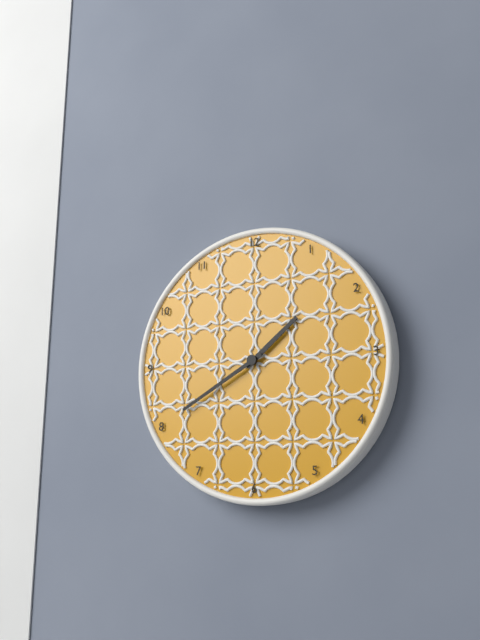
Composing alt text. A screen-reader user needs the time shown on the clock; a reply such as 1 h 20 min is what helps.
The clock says 1 h 40 min
